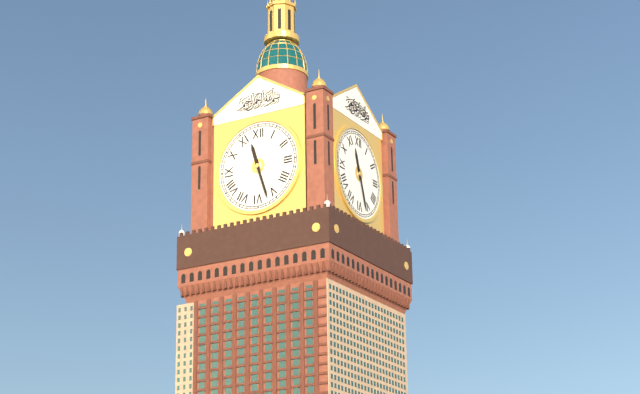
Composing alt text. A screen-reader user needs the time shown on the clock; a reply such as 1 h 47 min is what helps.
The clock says 11 h 27 min
